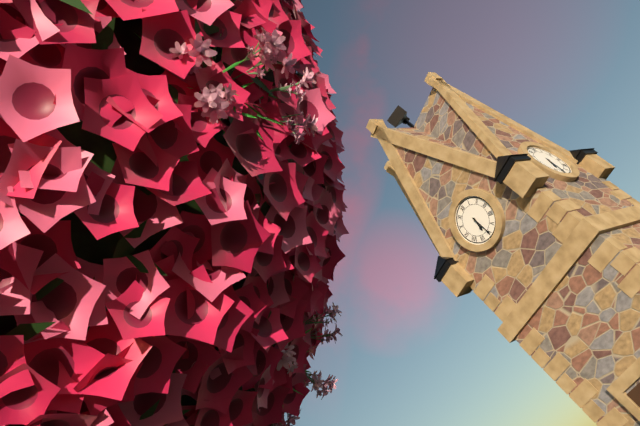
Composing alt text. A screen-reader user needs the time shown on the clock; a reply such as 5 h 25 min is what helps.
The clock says 6 h 30 min
